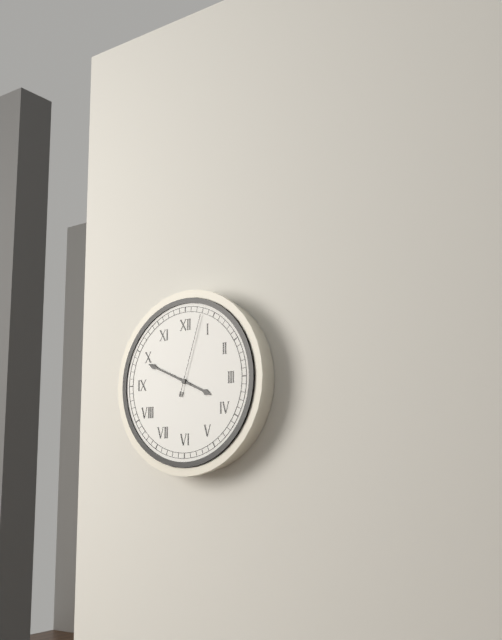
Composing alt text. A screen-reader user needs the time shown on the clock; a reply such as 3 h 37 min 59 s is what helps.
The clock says 3 h 49 min 03 s
